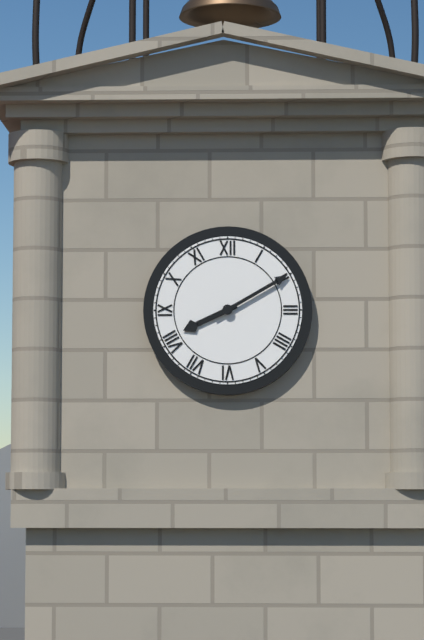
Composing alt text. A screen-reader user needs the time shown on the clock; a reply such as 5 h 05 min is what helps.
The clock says 8 h 10 min
